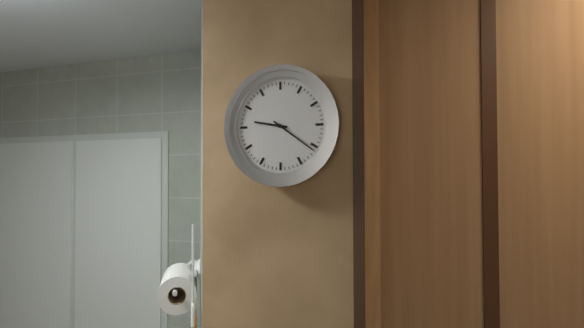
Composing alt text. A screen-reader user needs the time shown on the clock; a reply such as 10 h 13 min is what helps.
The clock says 9 h 21 min
